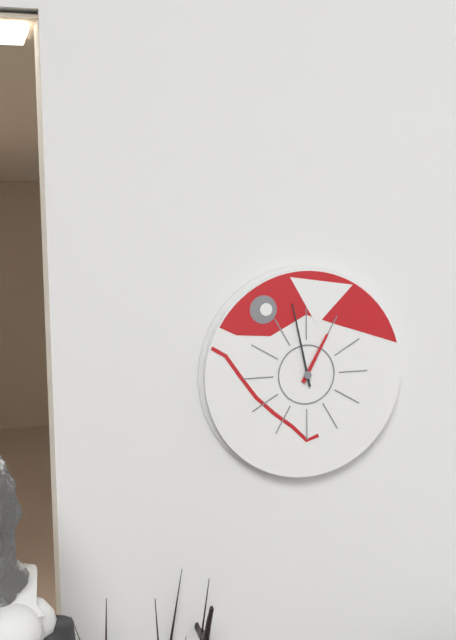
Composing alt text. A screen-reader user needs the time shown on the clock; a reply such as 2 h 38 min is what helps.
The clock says 12 h 58 min
